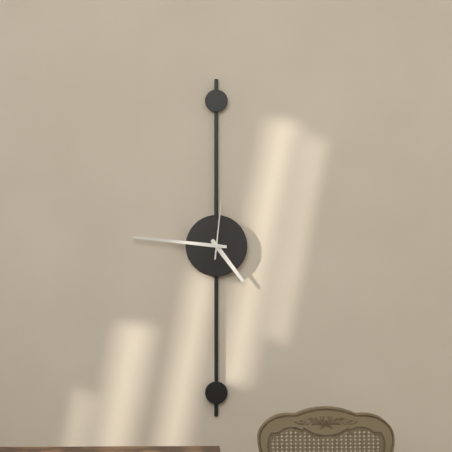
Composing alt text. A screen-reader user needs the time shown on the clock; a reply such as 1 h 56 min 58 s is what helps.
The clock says 4 h 46 min 01 s
